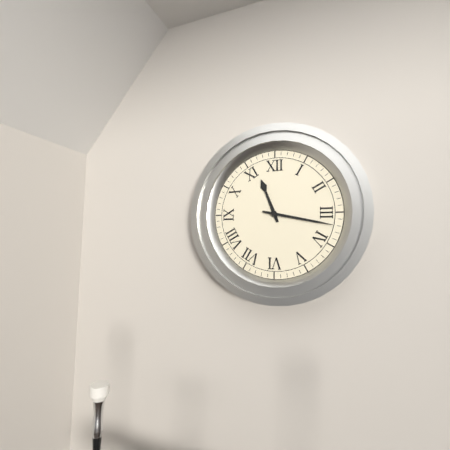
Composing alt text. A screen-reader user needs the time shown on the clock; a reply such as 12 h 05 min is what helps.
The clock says 11 h 17 min
